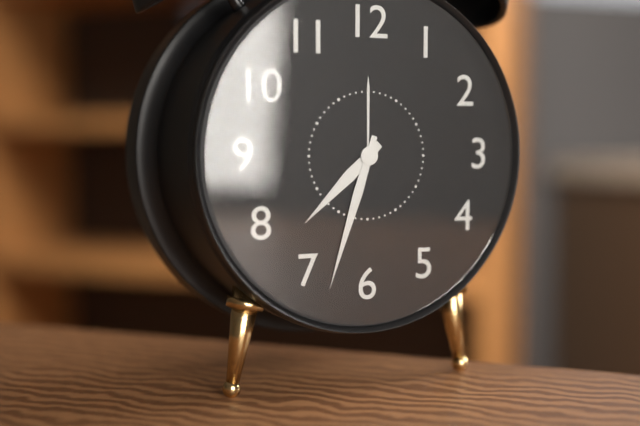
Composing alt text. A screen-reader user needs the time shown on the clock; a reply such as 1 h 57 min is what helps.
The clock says 7 h 33 min
